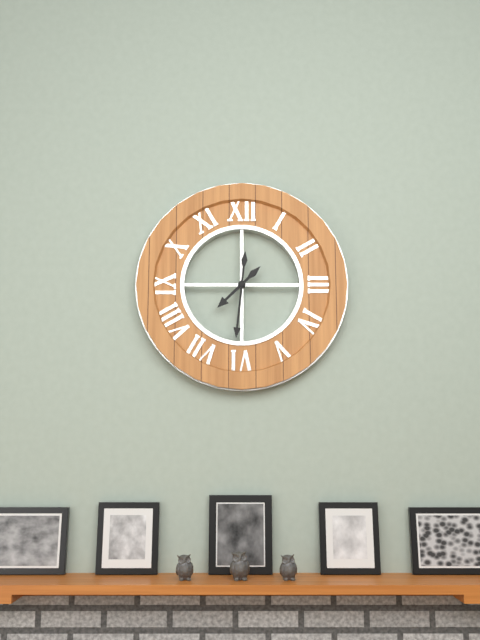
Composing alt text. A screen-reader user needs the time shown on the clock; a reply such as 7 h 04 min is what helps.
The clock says 7 h 31 min
